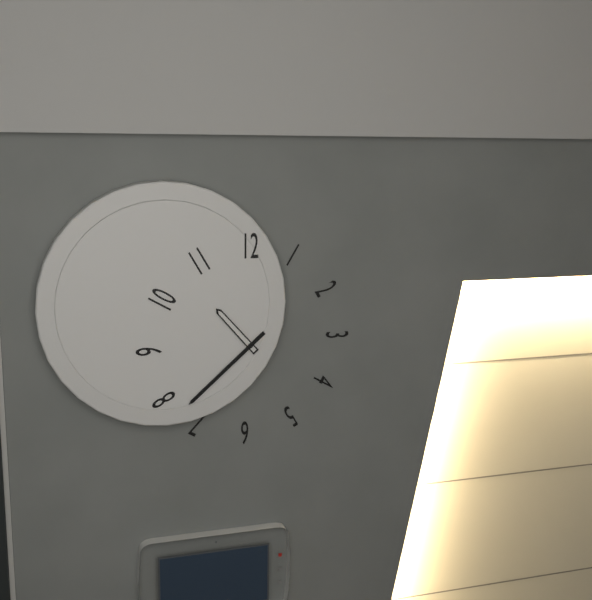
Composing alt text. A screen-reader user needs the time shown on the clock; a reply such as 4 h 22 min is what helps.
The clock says 10 h 38 min
